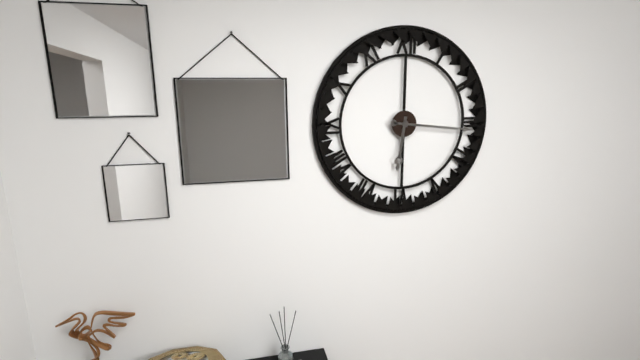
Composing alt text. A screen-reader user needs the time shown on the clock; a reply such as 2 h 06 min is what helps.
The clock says 6 h 16 min
